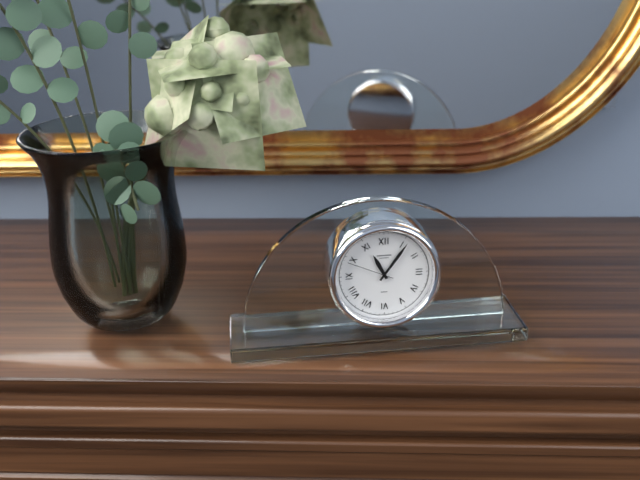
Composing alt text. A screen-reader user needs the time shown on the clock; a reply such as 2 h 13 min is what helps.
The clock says 11 h 06 min
